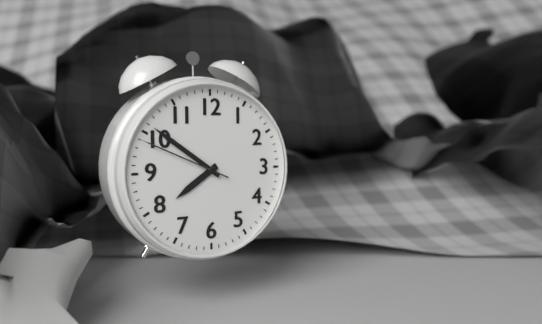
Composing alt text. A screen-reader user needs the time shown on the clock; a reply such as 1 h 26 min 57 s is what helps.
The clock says 7 h 51 min 49 s
